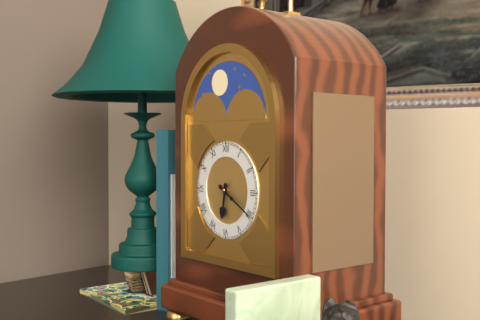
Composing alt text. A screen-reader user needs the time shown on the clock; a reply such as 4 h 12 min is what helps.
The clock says 6 h 20 min
